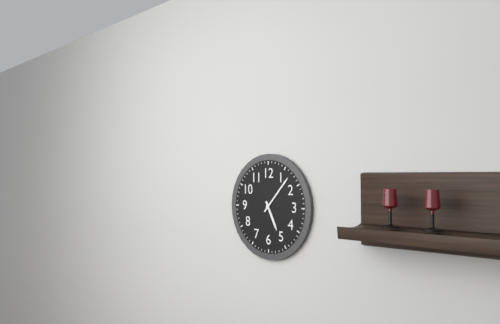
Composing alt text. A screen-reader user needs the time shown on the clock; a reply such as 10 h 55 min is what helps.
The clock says 5 h 07 min
